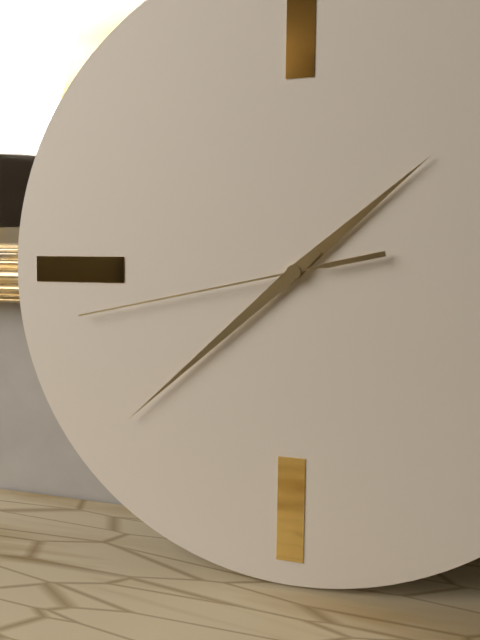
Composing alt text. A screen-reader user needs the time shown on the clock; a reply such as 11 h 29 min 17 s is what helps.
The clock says 1 h 38 min 43 s
